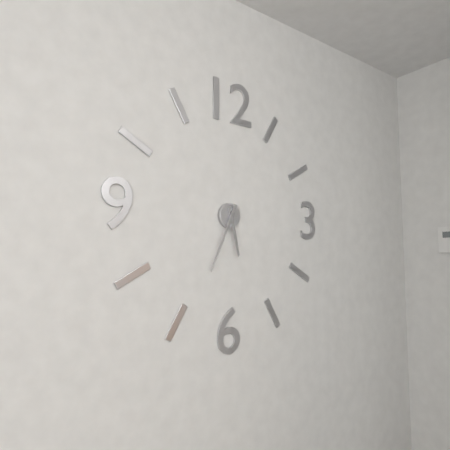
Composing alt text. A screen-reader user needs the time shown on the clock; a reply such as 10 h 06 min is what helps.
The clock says 5 h 34 min
